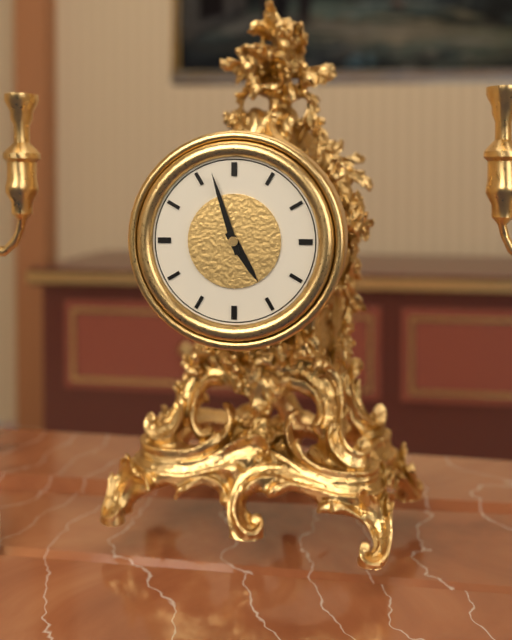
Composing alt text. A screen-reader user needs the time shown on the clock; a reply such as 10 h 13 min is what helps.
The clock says 4 h 57 min
